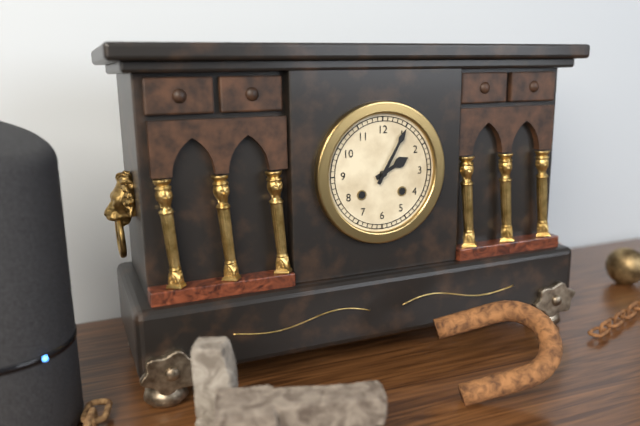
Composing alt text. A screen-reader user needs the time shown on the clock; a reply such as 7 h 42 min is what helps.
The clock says 2 h 05 min
